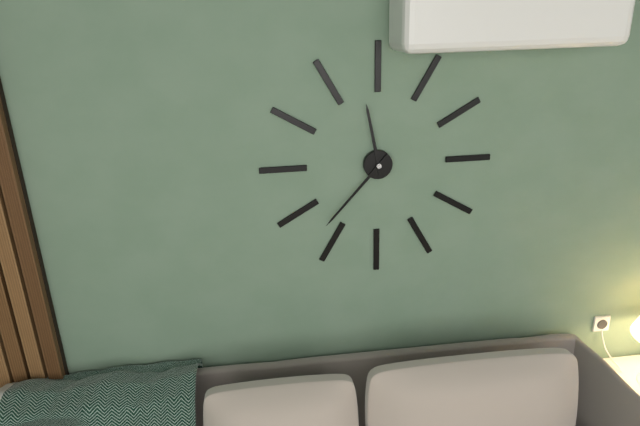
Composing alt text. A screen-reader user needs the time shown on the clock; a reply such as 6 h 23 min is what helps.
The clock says 11 h 37 min
